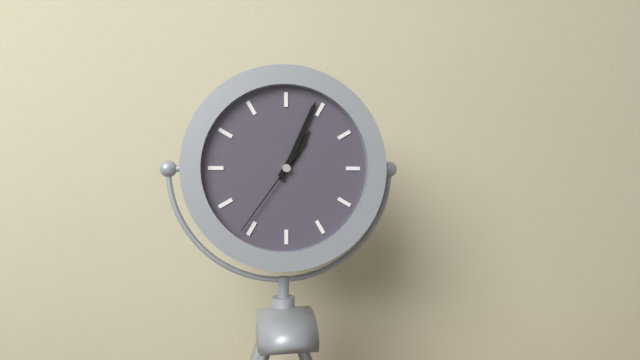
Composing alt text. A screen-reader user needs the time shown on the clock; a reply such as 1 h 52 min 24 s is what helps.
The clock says 1 h 04 min 36 s
